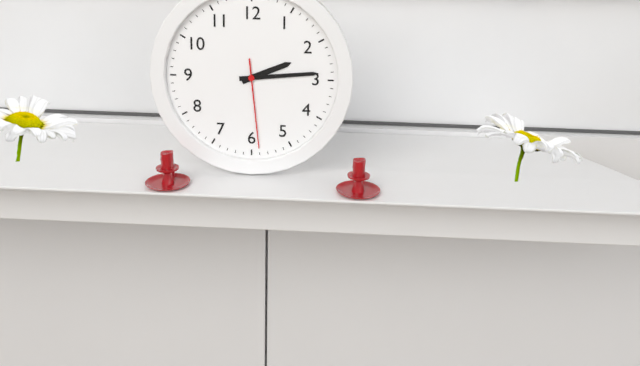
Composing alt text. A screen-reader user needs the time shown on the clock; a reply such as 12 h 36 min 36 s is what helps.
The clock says 2 h 14 min 29 s
